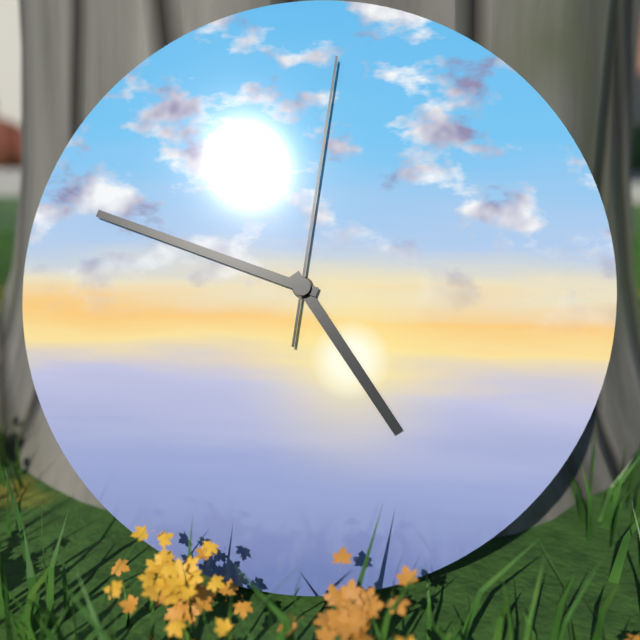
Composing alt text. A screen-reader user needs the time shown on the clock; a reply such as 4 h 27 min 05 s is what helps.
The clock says 4 h 48 min 01 s
